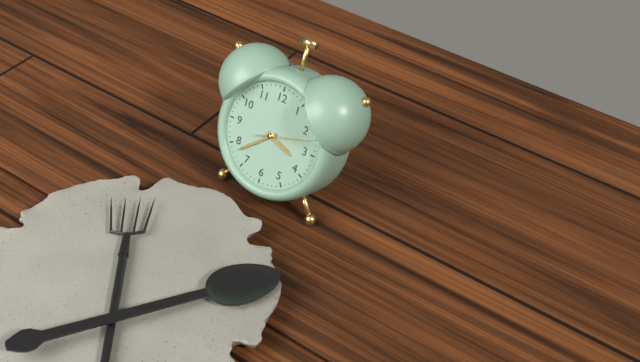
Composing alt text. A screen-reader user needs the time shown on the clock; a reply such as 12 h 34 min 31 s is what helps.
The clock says 3 h 38 min 12 s
